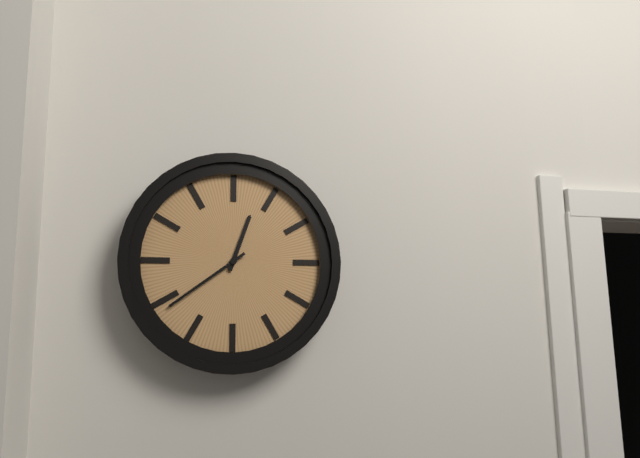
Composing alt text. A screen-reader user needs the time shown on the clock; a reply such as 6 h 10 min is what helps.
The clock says 12 h 39 min
